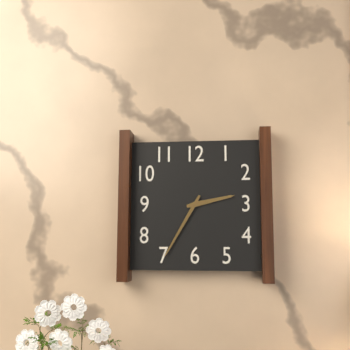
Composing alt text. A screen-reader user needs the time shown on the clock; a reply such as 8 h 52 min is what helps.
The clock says 2 h 35 min
